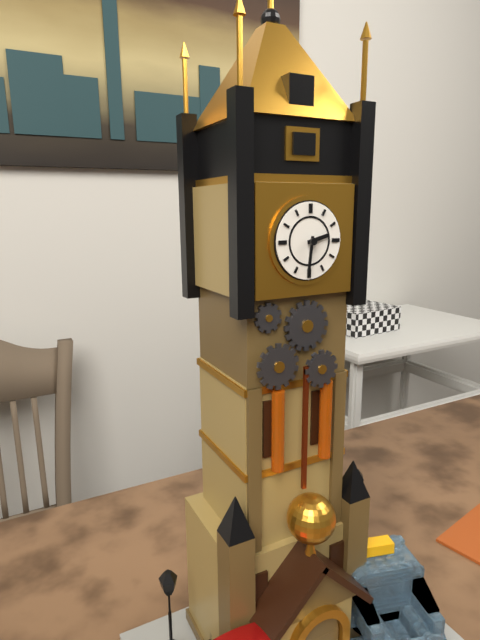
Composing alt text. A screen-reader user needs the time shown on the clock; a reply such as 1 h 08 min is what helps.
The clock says 2 h 31 min
